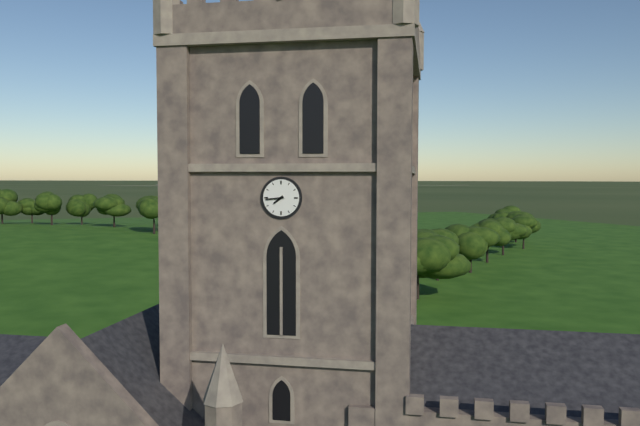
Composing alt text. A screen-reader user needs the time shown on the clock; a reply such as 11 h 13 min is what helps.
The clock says 7 h 44 min
